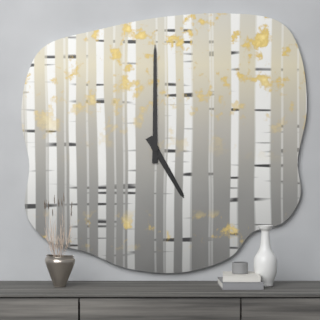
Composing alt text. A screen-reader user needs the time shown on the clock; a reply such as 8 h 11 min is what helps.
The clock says 5 h 00 min
